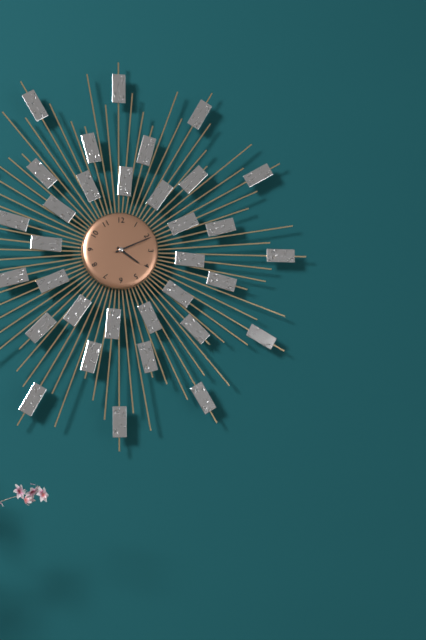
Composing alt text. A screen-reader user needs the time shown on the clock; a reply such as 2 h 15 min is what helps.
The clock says 4 h 11 min
